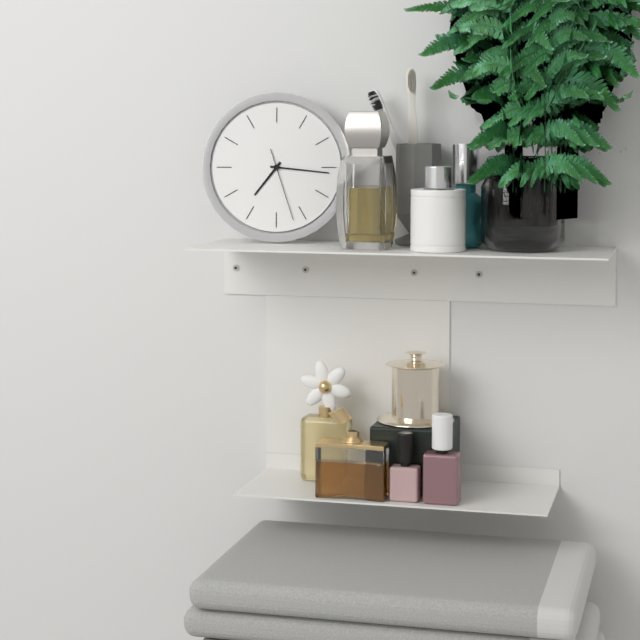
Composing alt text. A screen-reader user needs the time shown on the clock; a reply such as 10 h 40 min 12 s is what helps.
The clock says 7 h 16 min 27 s
